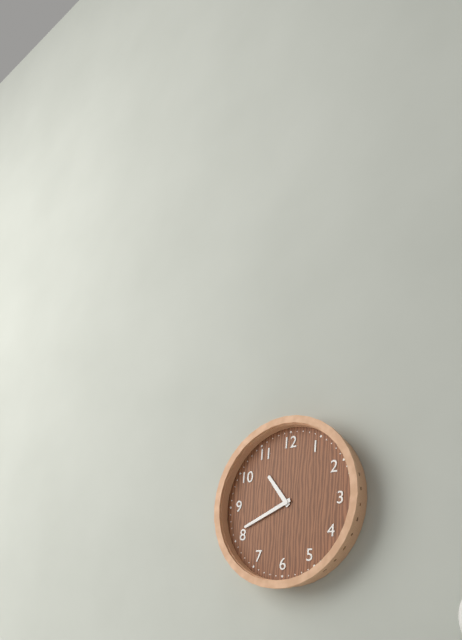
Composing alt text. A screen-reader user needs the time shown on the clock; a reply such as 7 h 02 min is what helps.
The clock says 10 h 41 min
